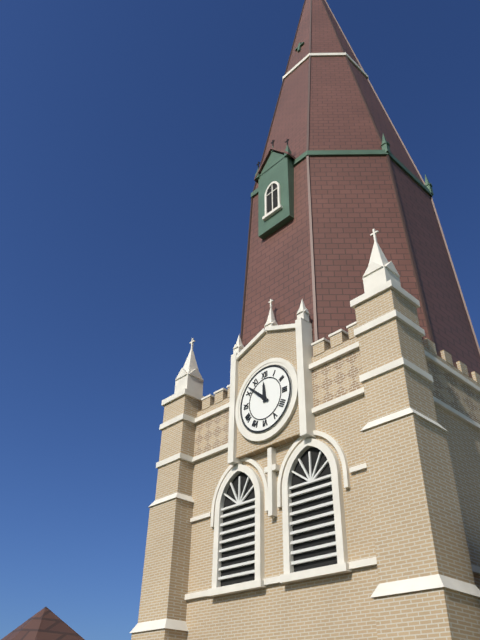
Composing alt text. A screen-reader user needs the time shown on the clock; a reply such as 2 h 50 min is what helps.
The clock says 11 h 52 min
